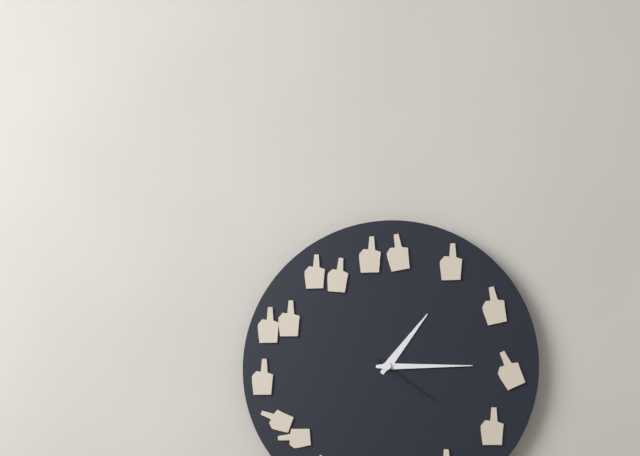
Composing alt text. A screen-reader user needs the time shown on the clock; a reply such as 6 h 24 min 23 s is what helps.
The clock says 1 h 15 min 21 s
